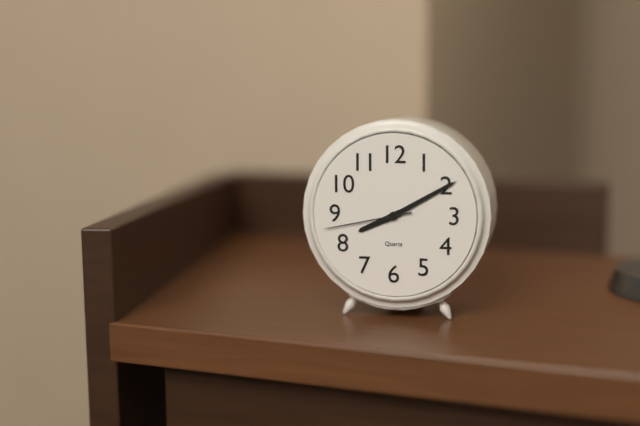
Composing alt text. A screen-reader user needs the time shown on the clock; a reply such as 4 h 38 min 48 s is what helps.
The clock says 8 h 10 min 43 s
